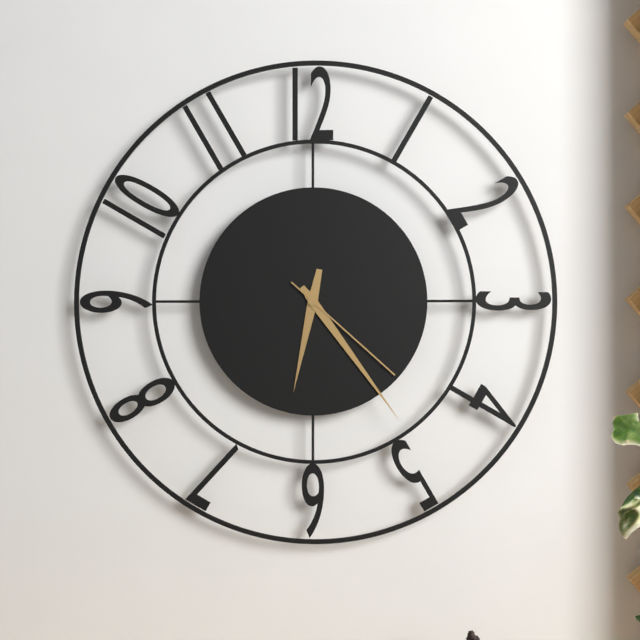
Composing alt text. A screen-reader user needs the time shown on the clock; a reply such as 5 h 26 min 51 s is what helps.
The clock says 6 h 24 min 22 s
